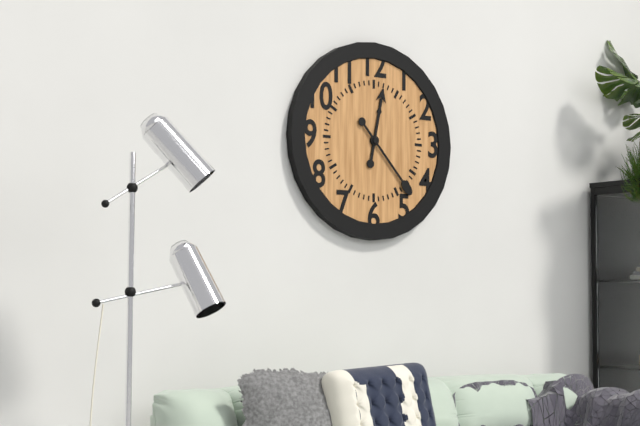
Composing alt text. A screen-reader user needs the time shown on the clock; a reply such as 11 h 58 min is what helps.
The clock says 12 h 23 min
